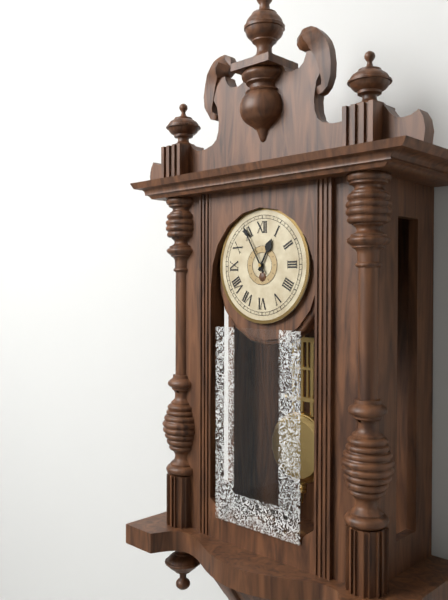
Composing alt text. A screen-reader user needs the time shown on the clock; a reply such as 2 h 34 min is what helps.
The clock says 12 h 55 min
